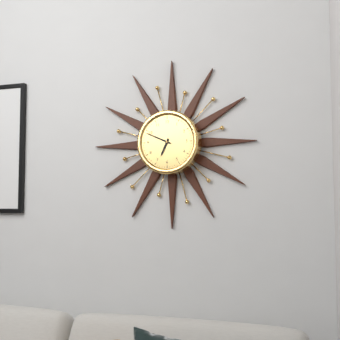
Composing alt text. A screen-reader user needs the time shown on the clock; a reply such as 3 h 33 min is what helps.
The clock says 6 h 49 min
